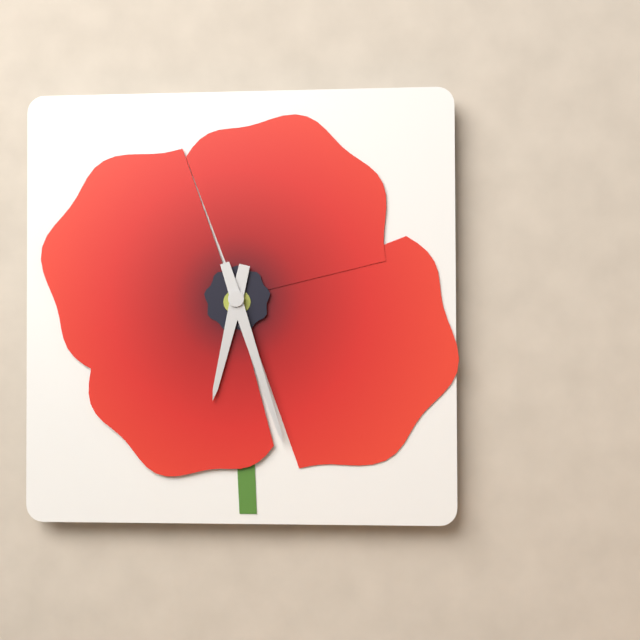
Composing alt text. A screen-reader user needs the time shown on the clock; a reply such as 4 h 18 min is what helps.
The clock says 6 h 27 min
